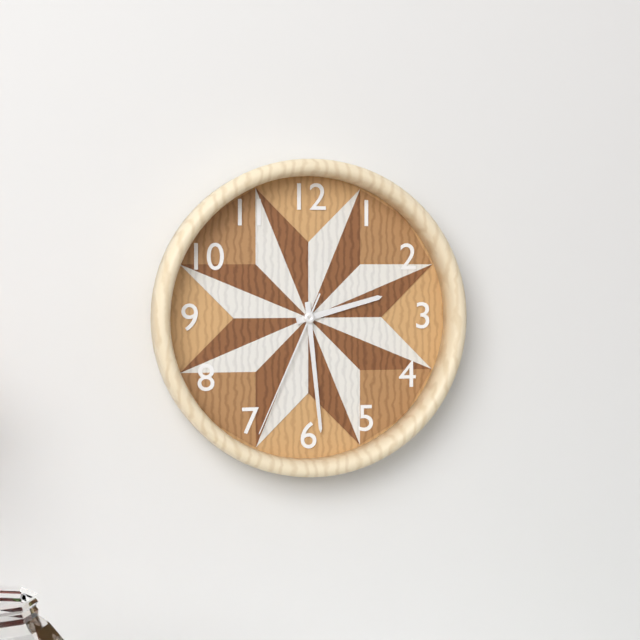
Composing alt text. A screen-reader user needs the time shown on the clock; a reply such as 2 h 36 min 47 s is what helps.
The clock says 2 h 29 min 34 s
